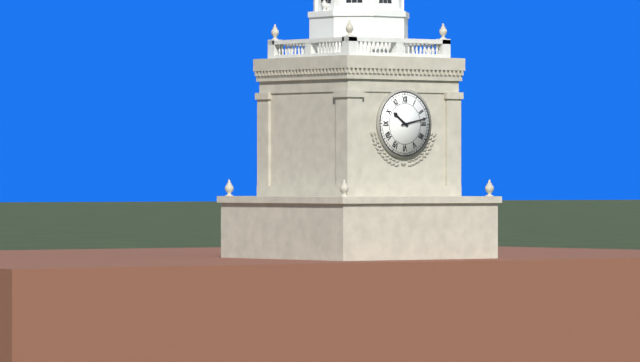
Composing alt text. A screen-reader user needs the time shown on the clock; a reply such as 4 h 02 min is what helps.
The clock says 10 h 13 min
